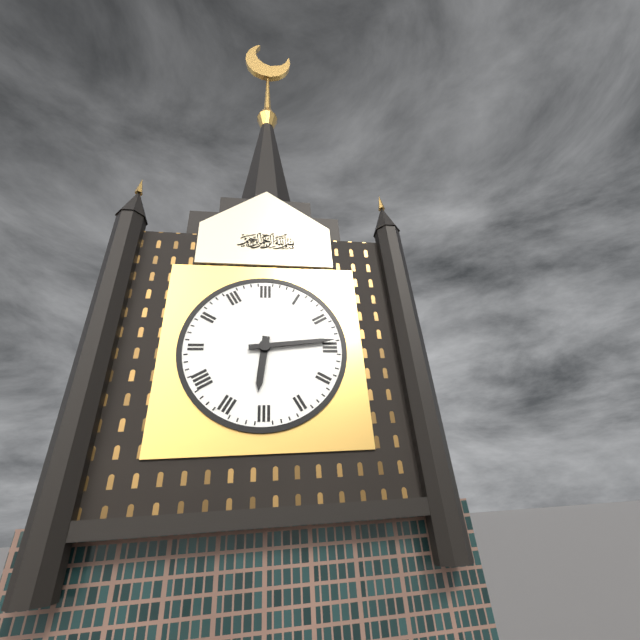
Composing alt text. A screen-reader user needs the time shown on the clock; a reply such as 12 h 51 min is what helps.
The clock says 6 h 14 min
